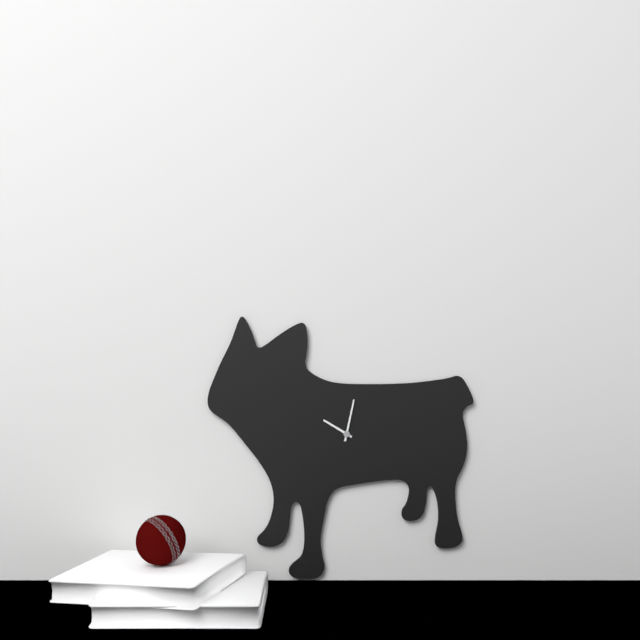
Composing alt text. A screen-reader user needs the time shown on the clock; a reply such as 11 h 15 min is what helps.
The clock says 10 h 02 min
